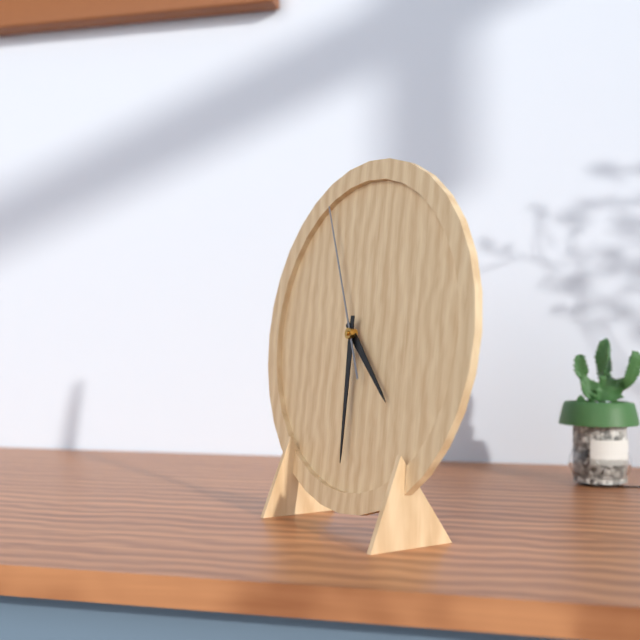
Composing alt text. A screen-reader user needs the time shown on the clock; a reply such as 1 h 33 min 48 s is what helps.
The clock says 4 h 30 min 56 s
